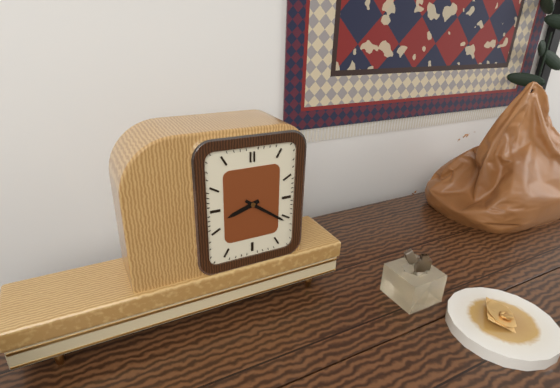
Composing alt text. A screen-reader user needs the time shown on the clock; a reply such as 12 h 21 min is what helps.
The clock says 8 h 21 min
